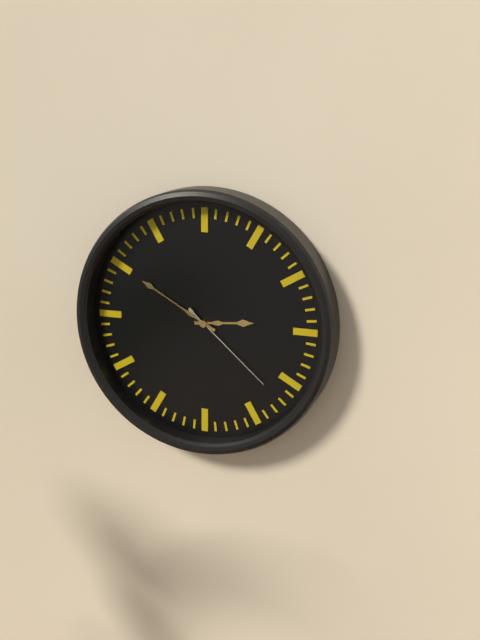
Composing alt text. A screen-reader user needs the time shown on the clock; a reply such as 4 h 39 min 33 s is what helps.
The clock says 2 h 50 min 22 s
